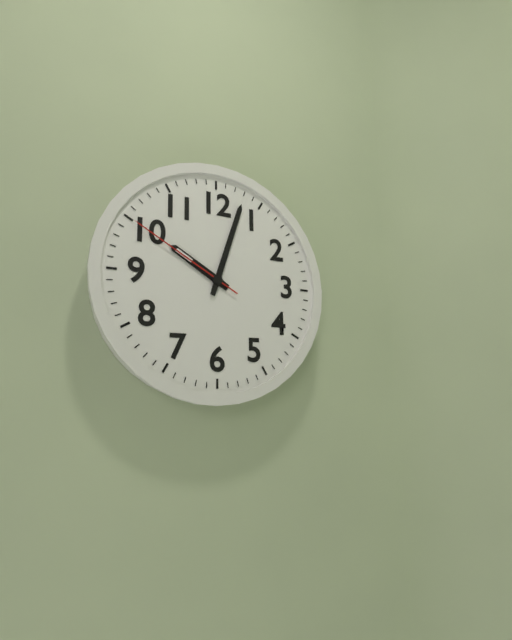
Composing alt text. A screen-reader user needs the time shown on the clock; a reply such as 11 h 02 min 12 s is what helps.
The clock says 10 h 03 min 50 s
